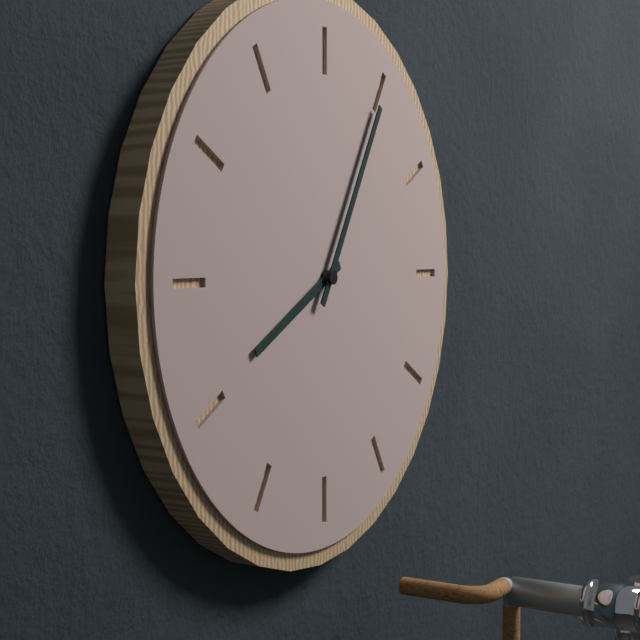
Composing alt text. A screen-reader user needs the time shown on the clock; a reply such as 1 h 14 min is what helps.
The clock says 8 h 05 min
